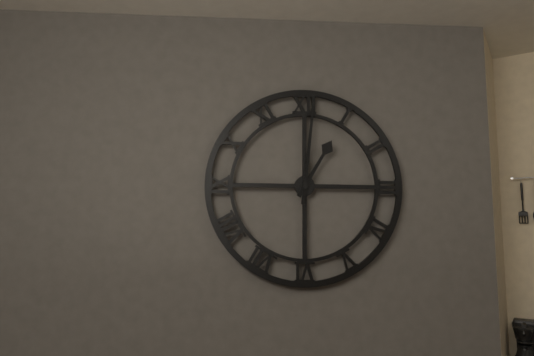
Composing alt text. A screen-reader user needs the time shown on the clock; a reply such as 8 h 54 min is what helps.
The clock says 1 h 01 min
